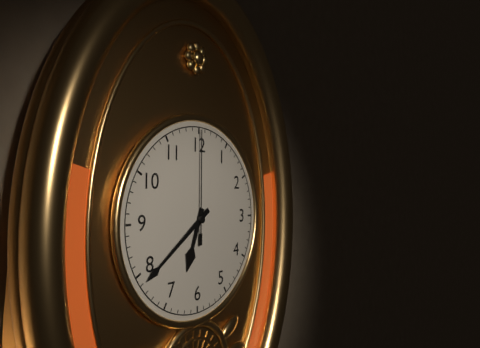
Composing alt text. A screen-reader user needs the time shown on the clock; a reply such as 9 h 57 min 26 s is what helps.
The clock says 6 h 39 min 00 s
